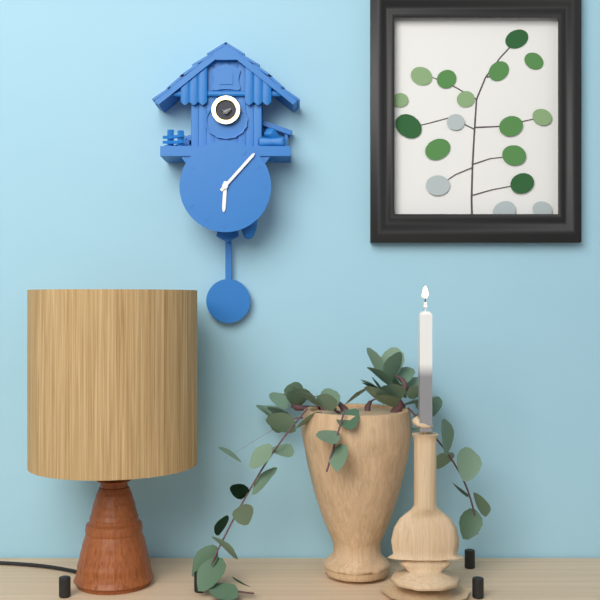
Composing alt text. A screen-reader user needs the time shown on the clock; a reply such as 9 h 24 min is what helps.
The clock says 6 h 07 min
